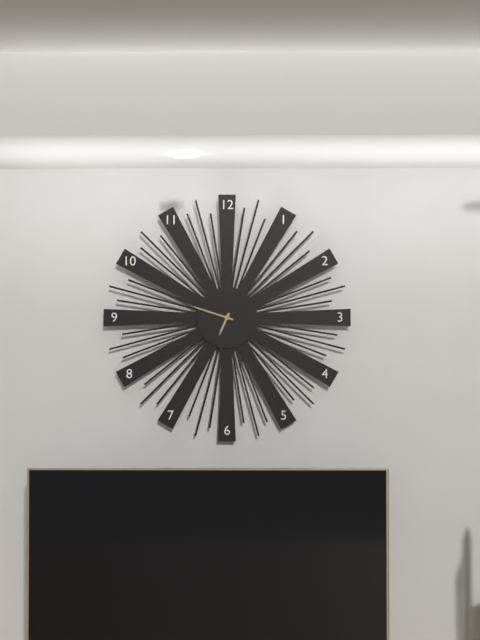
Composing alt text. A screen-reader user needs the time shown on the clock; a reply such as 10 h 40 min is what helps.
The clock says 6 h 48 min
